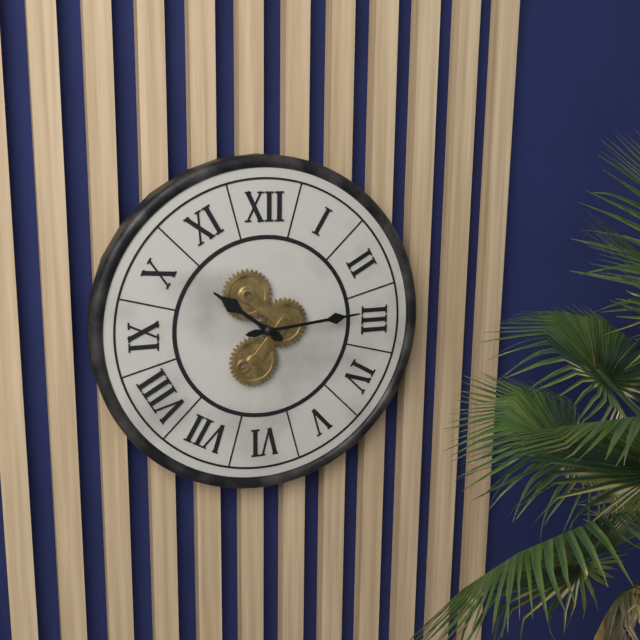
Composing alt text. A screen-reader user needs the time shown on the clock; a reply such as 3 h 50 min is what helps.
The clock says 10 h 14 min
